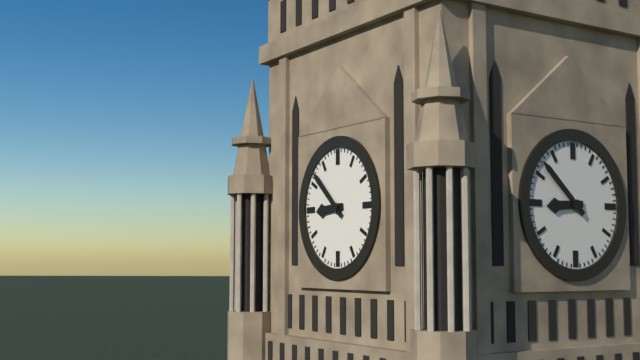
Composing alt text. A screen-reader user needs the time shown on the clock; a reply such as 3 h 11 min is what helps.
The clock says 8 h 52 min
